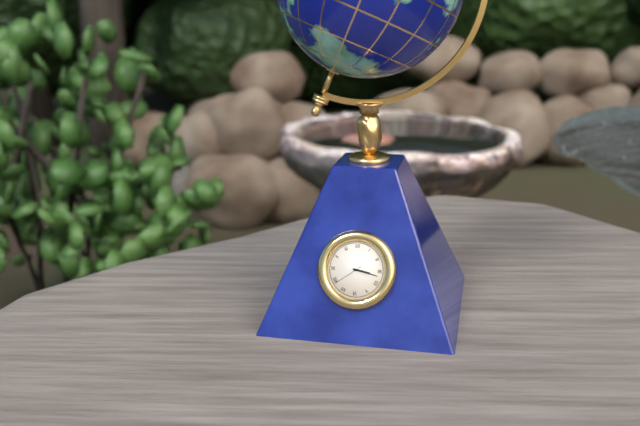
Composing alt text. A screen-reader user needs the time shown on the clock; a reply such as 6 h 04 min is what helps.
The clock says 3 h 17 min
